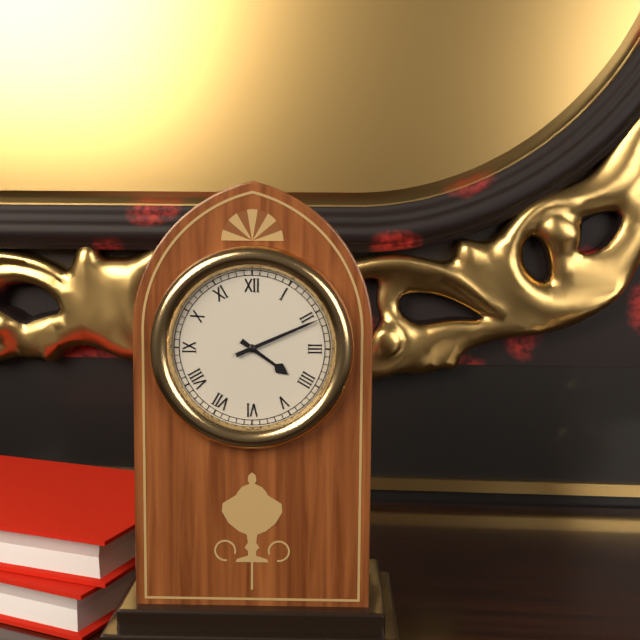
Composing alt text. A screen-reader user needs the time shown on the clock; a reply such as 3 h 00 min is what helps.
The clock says 4 h 11 min
